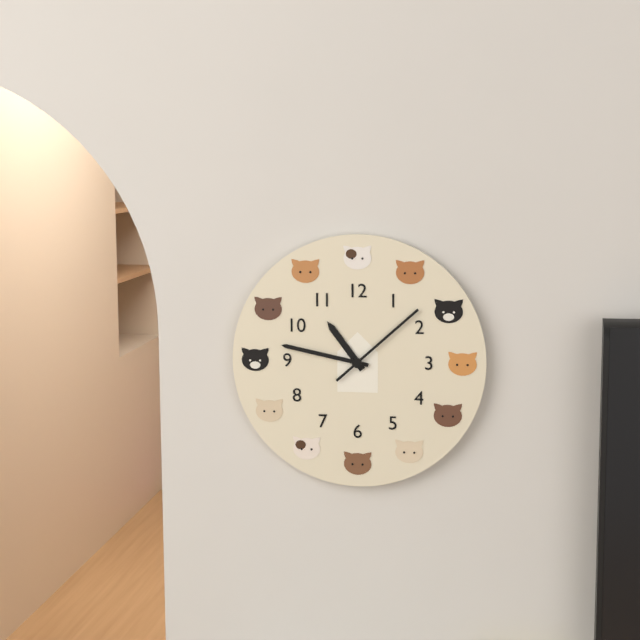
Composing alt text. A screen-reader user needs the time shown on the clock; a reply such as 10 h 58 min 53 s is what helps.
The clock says 10 h 47 min 08 s
